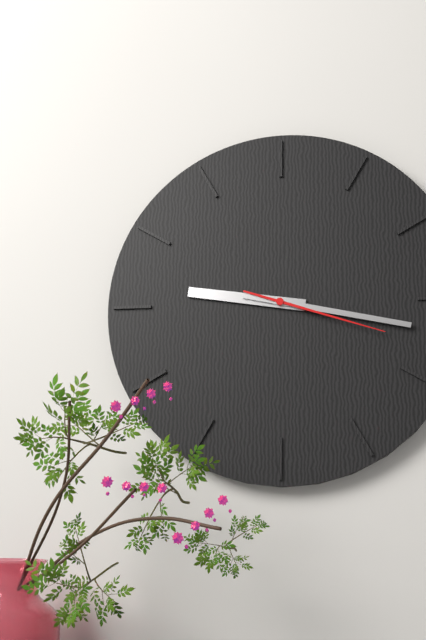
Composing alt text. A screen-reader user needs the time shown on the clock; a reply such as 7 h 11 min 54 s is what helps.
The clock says 9 h 17 min 18 s
